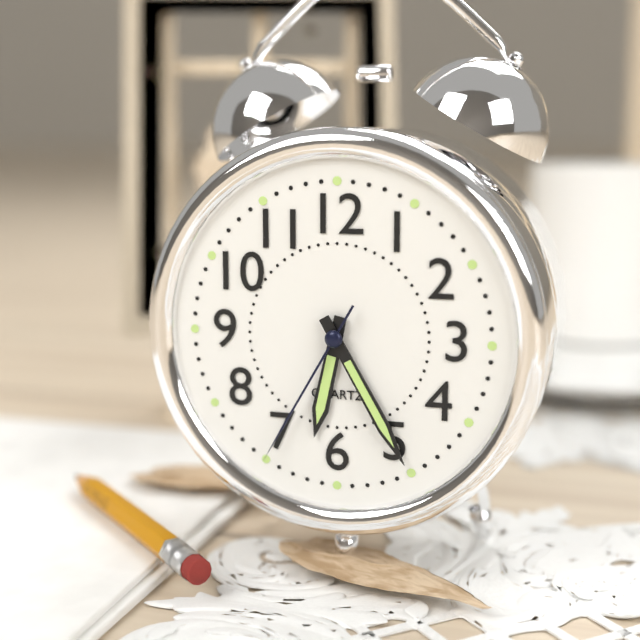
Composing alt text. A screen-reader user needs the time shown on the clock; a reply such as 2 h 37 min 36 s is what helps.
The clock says 6 h 25 min 35 s
